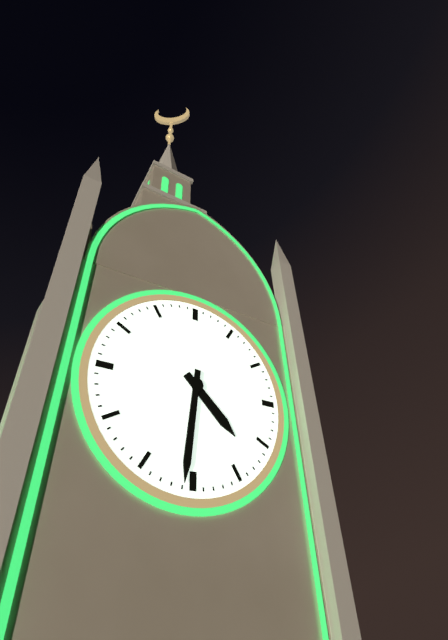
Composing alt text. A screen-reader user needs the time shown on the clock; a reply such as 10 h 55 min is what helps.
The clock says 4 h 31 min
